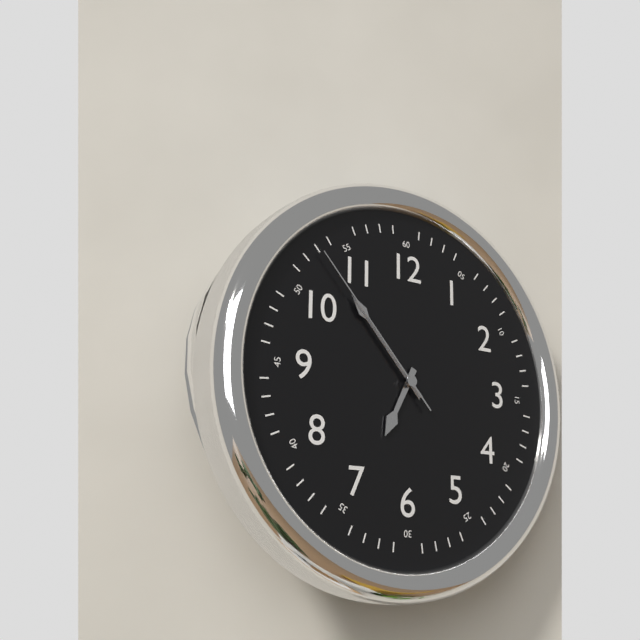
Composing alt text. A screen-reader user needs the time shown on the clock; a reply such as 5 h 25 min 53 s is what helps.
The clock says 6 h 53 min 53 s
